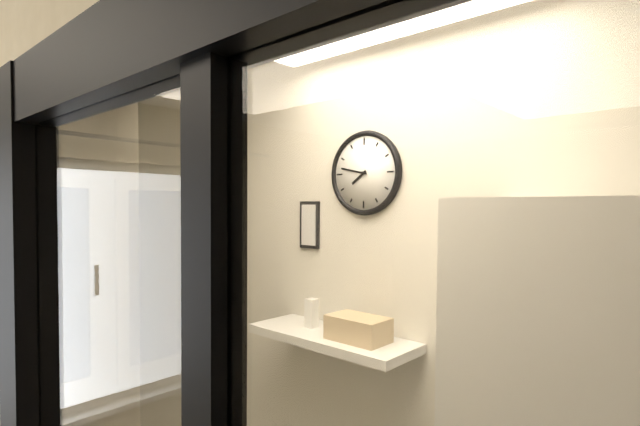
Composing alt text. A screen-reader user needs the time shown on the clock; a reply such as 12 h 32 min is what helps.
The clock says 7 h 47 min
